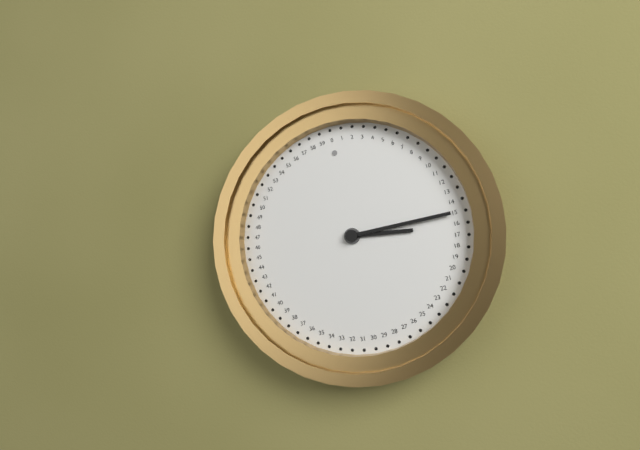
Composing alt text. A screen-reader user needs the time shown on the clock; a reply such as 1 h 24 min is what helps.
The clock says 3 h 15 min
